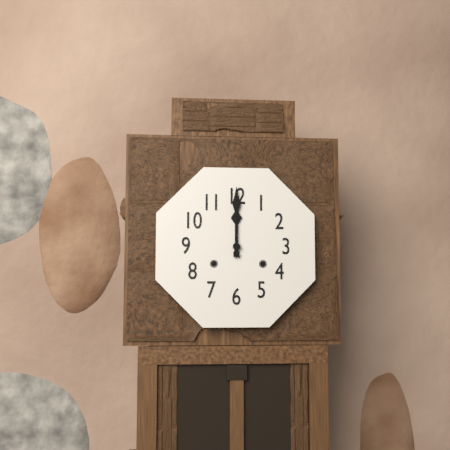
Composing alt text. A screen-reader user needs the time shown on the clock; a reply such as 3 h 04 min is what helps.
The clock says 12 h 00 min
